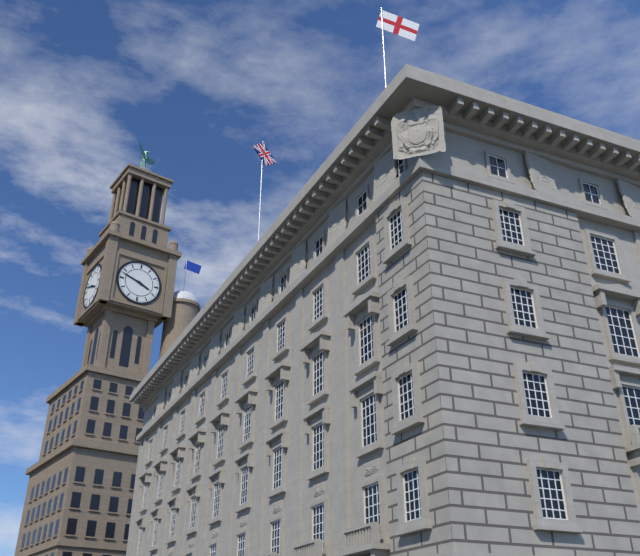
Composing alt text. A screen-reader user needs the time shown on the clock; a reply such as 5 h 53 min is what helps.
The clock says 3 h 48 min
